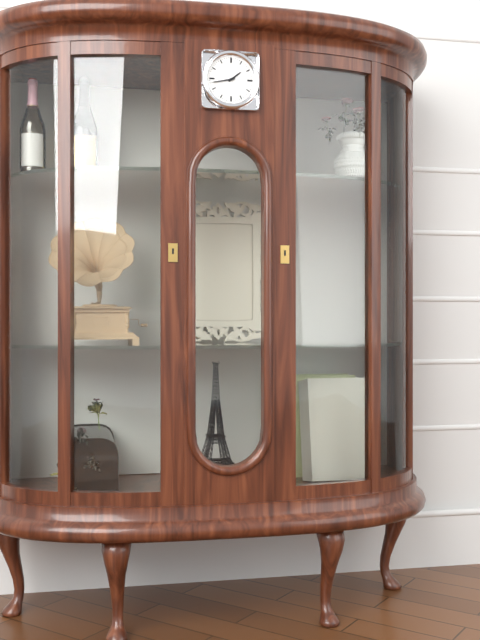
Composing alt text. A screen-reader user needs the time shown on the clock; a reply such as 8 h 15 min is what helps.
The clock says 1 h 43 min
